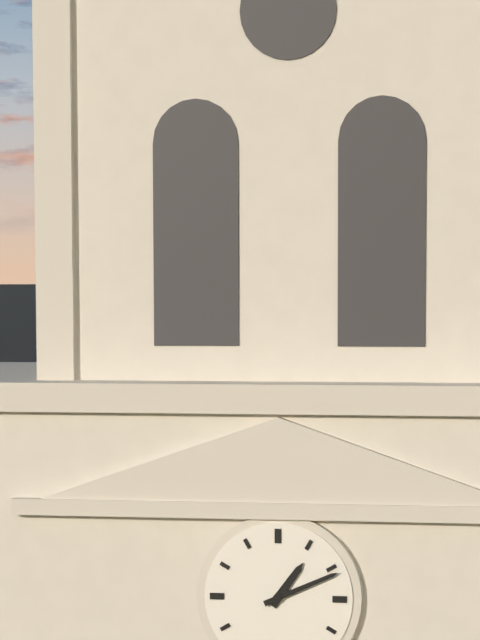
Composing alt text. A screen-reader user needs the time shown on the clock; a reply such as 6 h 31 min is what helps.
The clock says 1 h 11 min
